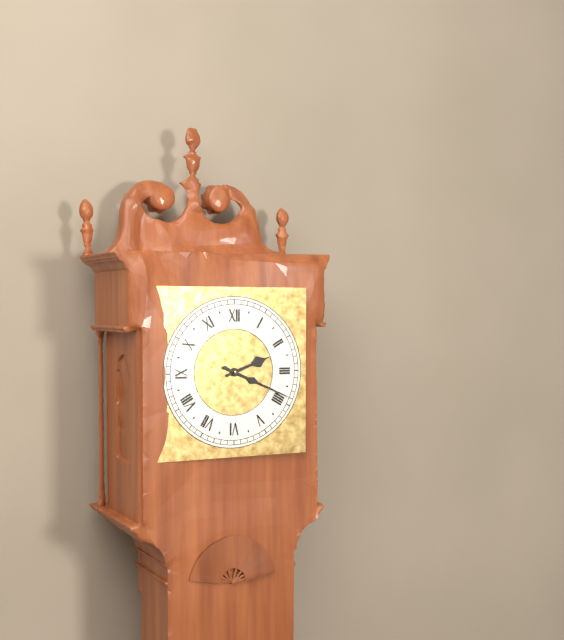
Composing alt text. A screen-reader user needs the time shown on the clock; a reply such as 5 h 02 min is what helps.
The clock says 2 h 19 min
